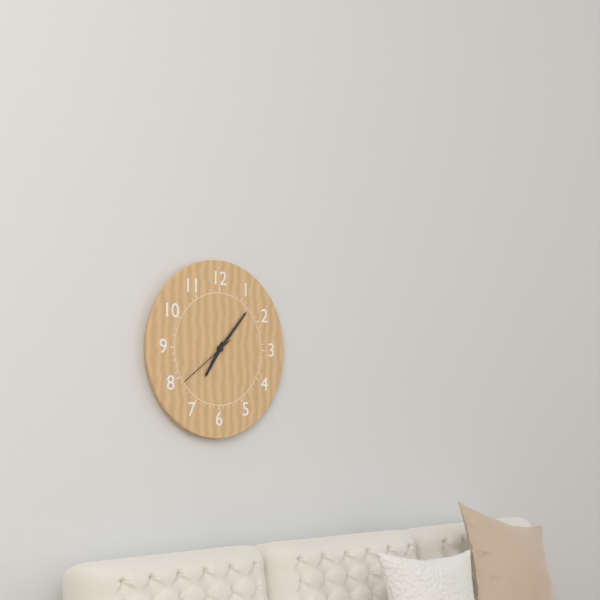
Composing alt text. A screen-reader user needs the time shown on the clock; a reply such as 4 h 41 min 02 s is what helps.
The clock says 7 h 07 min 39 s
